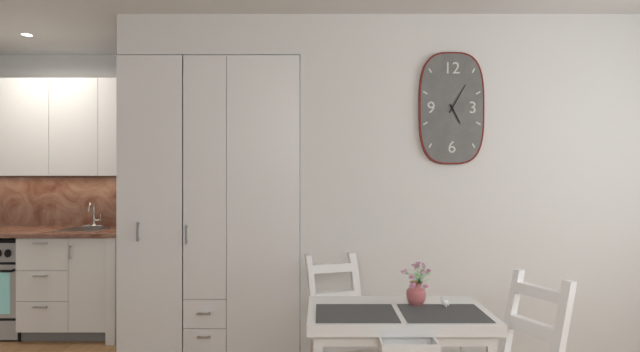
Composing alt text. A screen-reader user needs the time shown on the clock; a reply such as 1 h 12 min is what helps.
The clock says 5 h 05 min
